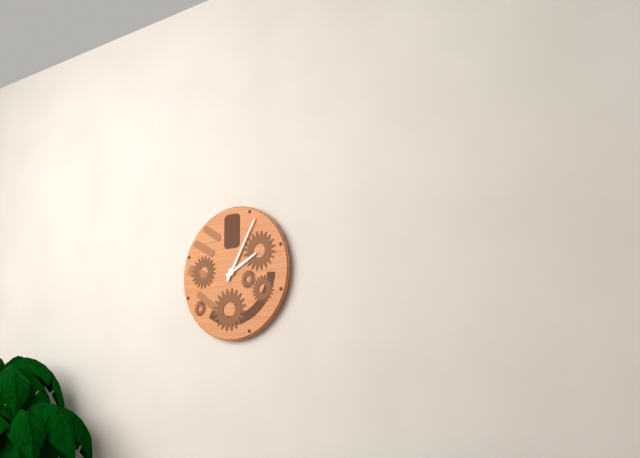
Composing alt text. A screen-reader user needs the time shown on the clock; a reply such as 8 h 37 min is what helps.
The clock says 2 h 05 min
